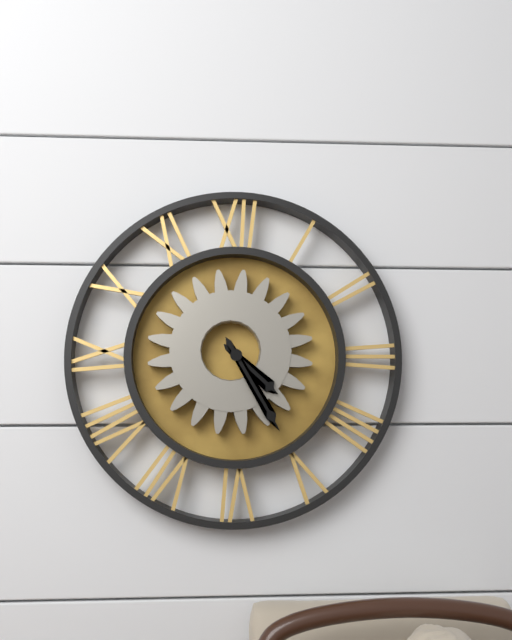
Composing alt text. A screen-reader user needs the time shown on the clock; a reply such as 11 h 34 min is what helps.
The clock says 4 h 25 min
